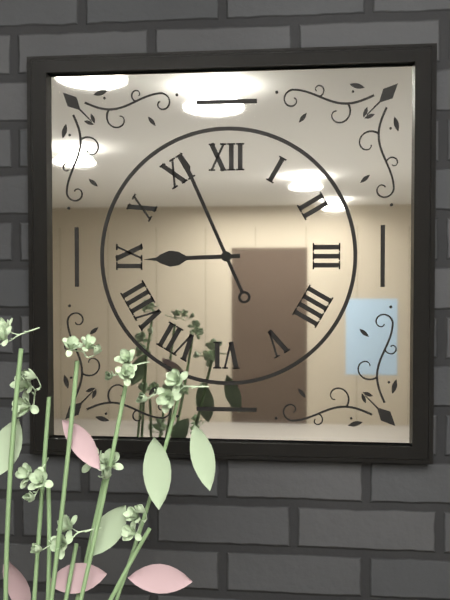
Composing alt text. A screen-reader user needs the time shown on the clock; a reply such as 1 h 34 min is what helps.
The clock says 8 h 56 min
